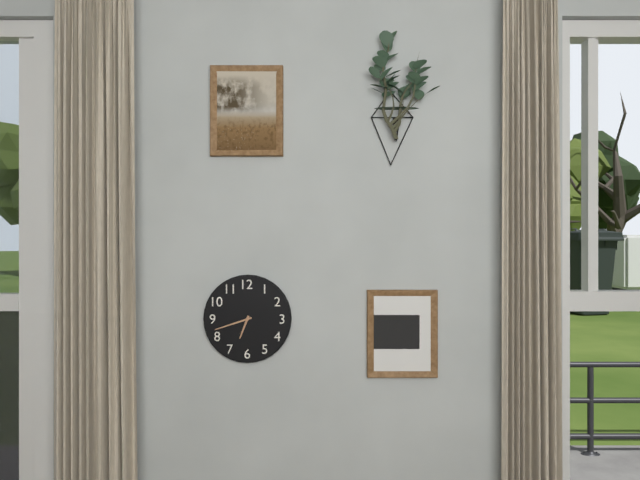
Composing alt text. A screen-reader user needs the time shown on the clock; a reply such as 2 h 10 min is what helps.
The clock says 6 h 42 min
